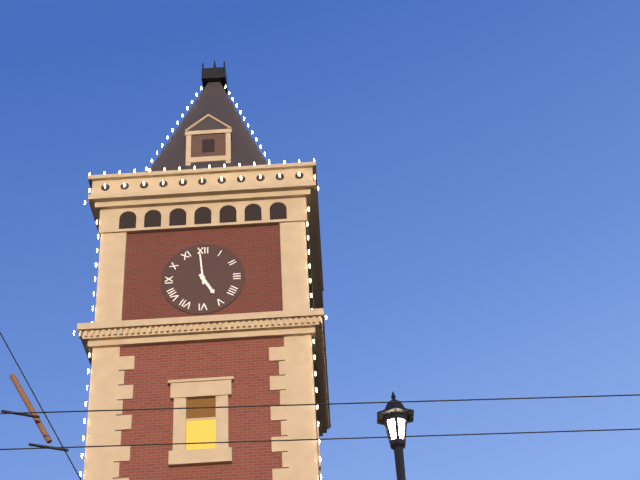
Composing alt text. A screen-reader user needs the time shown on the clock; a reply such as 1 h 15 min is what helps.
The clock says 4 h 59 min
